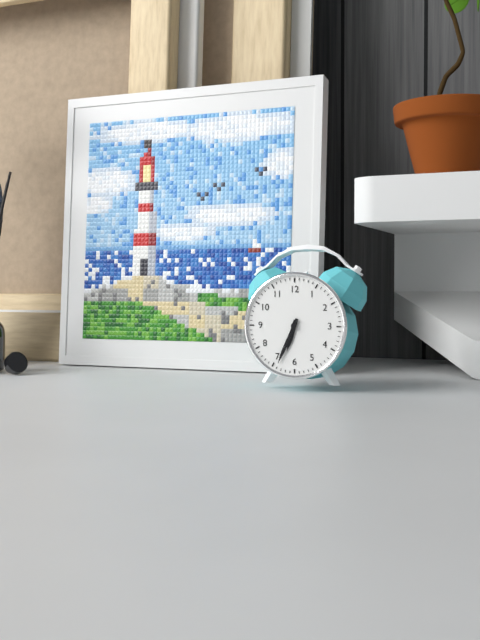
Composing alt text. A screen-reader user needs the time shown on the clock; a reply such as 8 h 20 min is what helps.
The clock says 6 h 34 min
